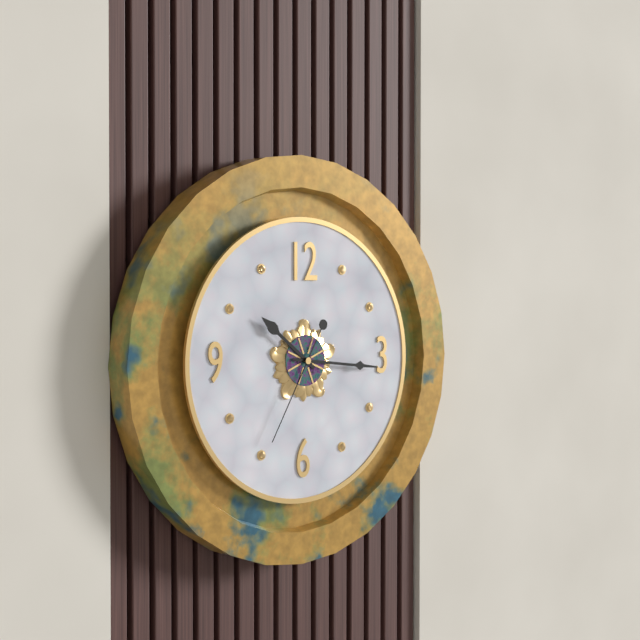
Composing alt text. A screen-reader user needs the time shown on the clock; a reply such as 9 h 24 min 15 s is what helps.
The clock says 10 h 16 min 35 s
